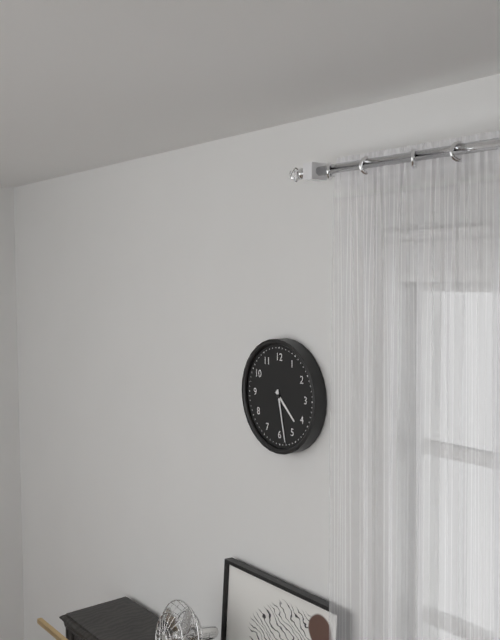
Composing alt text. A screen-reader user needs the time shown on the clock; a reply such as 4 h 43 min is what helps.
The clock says 4 h 28 min
